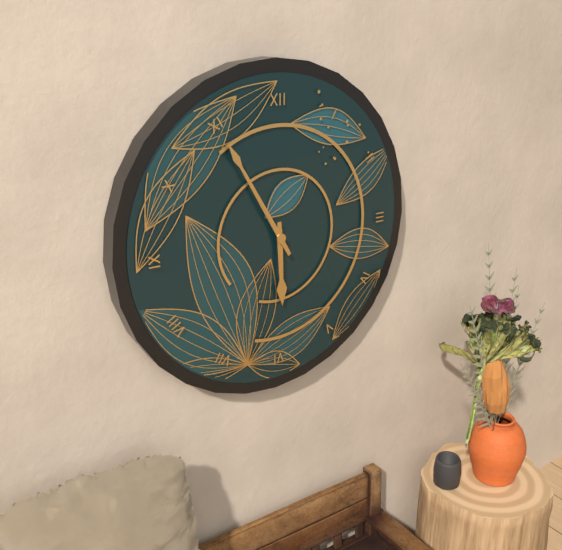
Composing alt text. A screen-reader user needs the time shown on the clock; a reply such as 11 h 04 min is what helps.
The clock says 5 h 55 min
